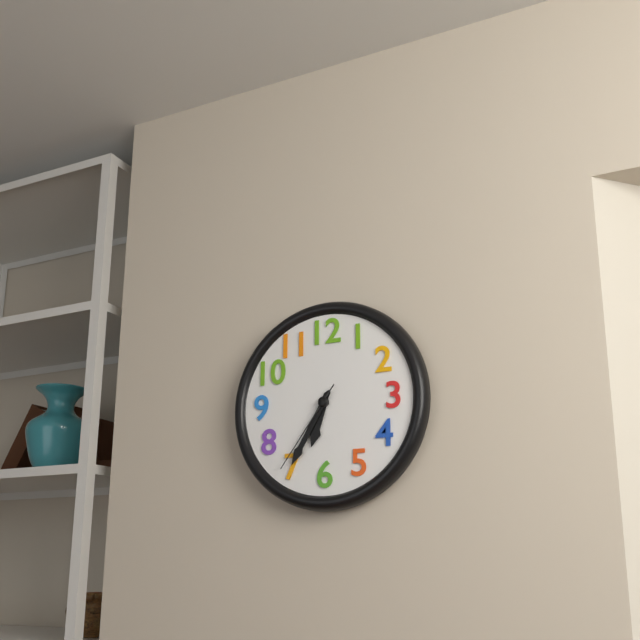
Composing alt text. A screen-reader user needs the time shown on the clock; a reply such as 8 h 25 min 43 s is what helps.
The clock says 6 h 35 min 36 s
